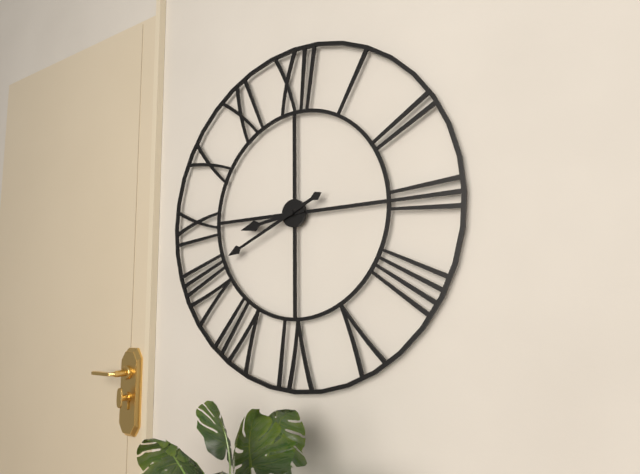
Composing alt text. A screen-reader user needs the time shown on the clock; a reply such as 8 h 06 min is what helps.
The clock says 8 h 41 min
